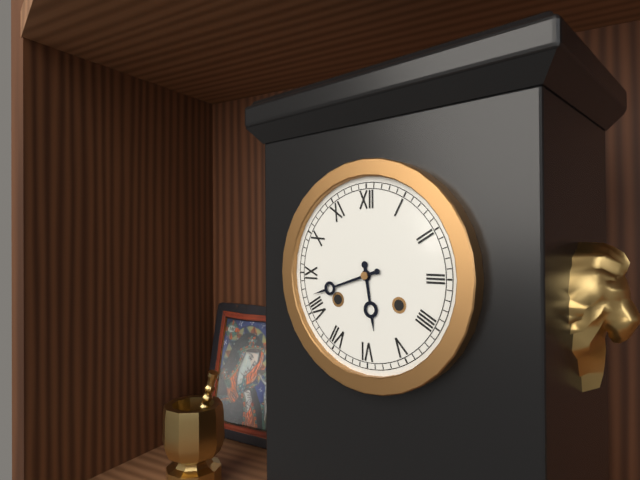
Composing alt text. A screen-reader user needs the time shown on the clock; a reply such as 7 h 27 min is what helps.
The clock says 5 h 42 min
